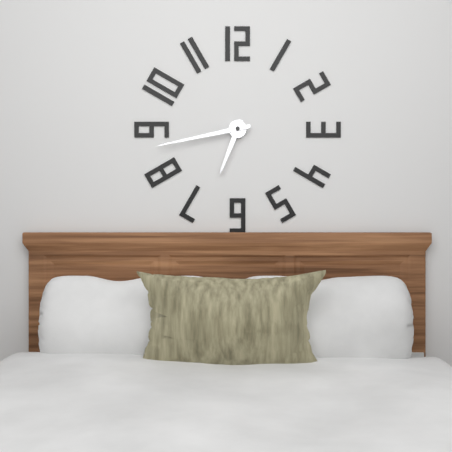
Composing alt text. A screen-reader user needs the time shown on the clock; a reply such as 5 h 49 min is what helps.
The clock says 6 h 43 min
